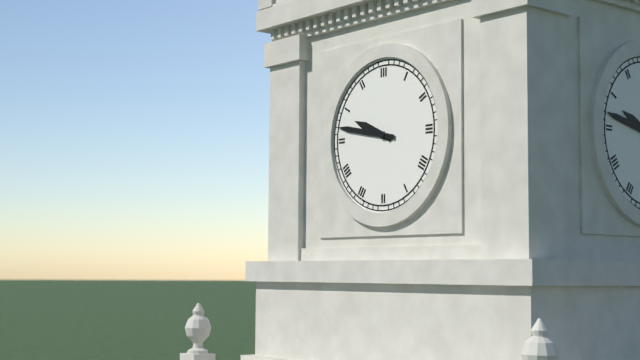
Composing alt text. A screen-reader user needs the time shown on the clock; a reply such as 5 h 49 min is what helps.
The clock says 9 h 47 min
